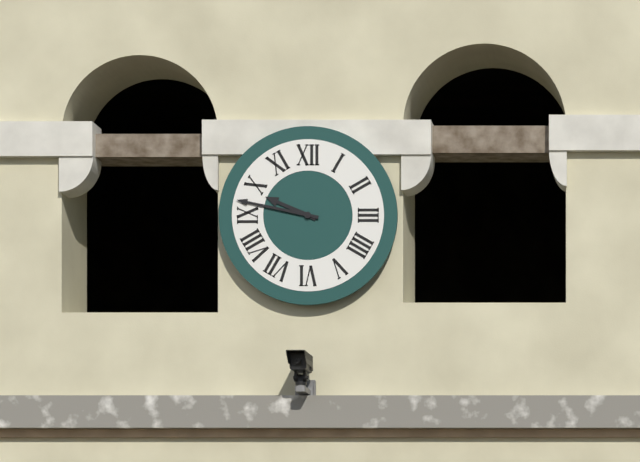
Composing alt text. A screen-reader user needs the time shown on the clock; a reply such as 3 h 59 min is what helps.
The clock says 9 h 47 min
